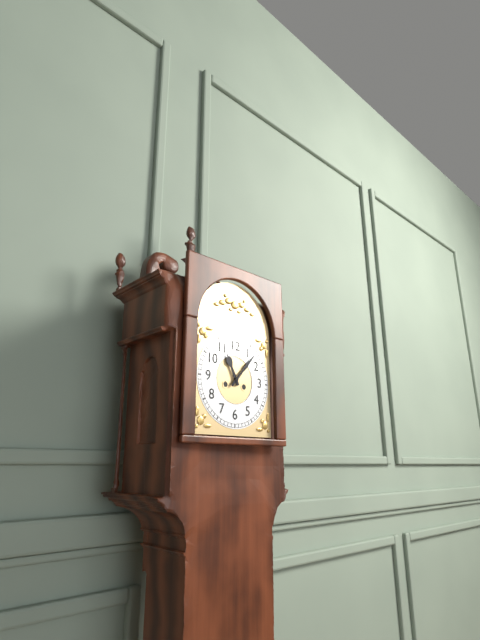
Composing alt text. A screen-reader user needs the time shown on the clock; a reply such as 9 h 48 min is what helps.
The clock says 11 h 07 min
